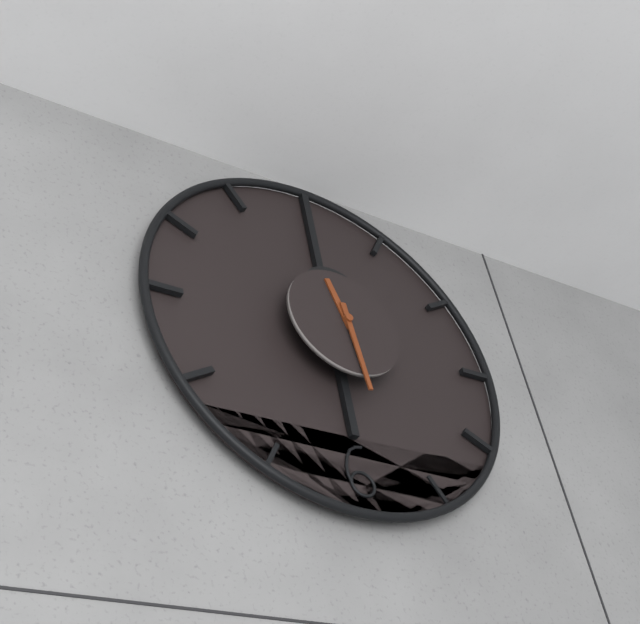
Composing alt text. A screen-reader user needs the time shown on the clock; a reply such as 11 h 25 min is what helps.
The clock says 11 h 29 min
